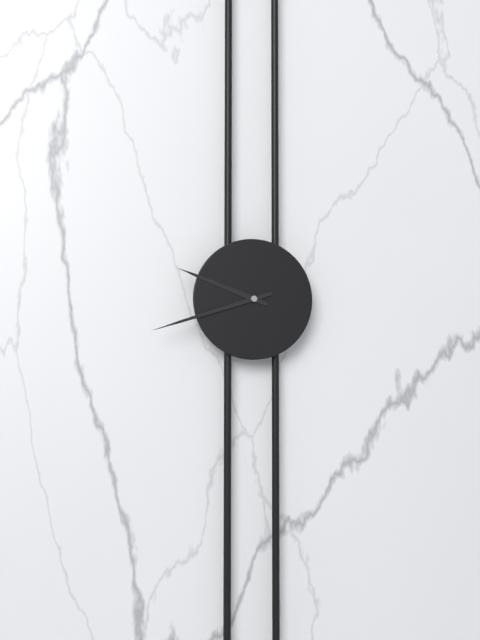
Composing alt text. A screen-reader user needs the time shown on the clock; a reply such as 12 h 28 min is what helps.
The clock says 9 h 42 min
